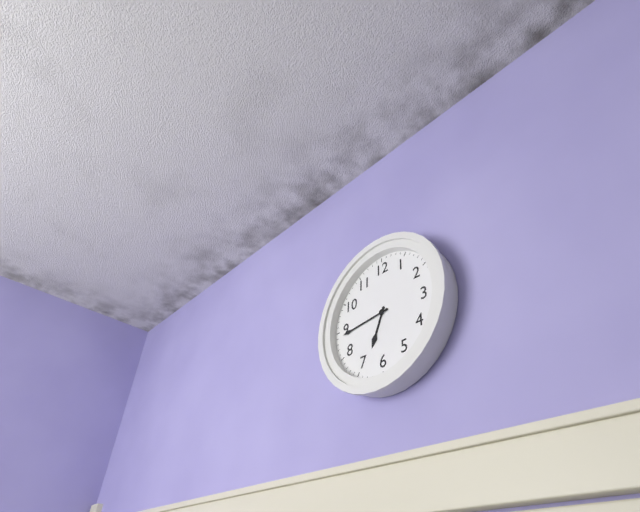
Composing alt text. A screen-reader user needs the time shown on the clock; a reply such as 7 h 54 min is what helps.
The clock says 6 h 44 min
